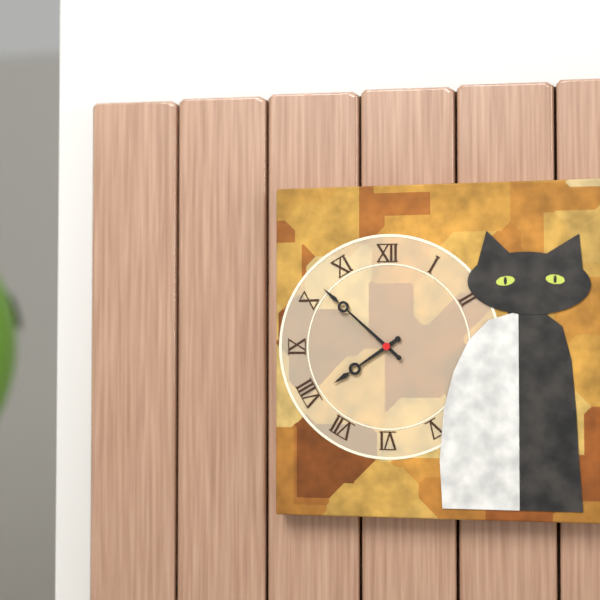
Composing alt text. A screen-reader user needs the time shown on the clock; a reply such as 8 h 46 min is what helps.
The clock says 7 h 52 min
